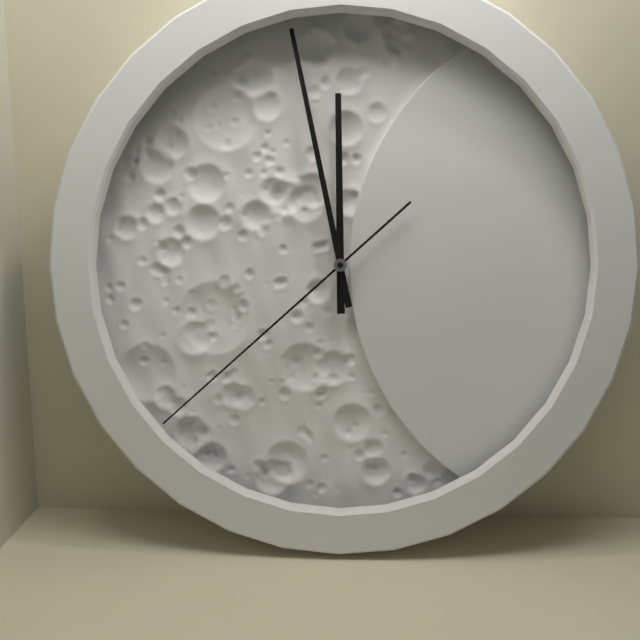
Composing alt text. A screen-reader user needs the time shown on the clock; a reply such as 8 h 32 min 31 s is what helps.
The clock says 11 h 58 min 38 s
